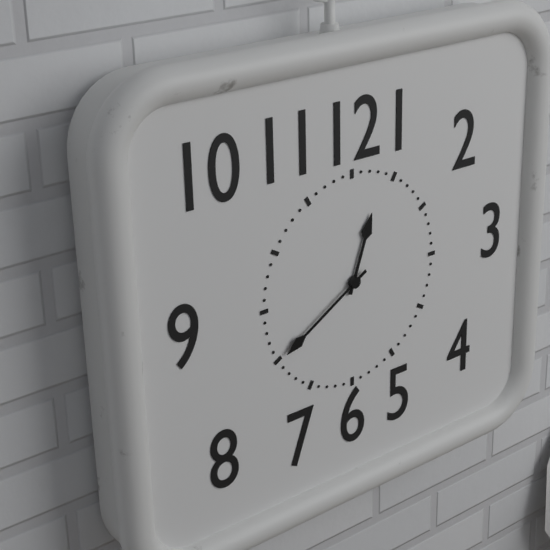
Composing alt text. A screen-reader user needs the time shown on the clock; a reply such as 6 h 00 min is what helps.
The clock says 12 h 40 min
